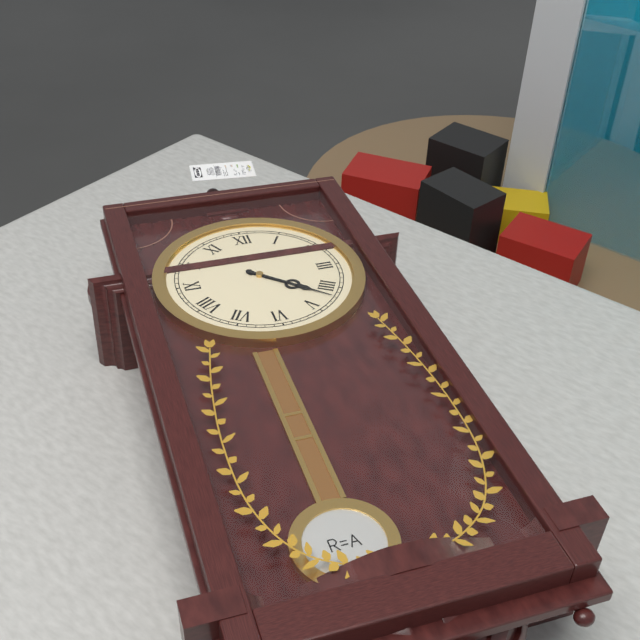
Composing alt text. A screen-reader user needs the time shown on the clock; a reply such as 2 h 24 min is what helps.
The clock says 4 h 22 min
